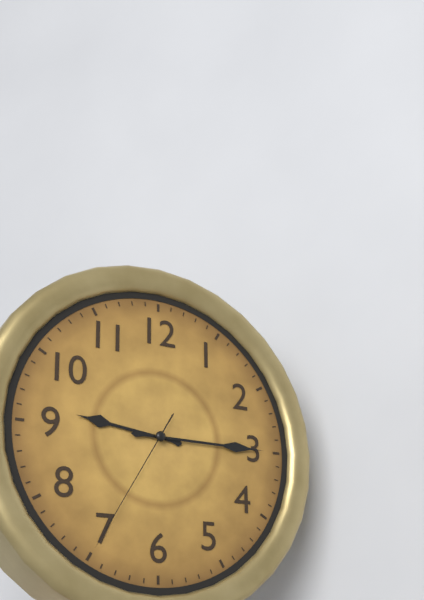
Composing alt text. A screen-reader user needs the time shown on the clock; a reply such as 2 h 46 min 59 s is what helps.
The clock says 9 h 15 min 35 s
